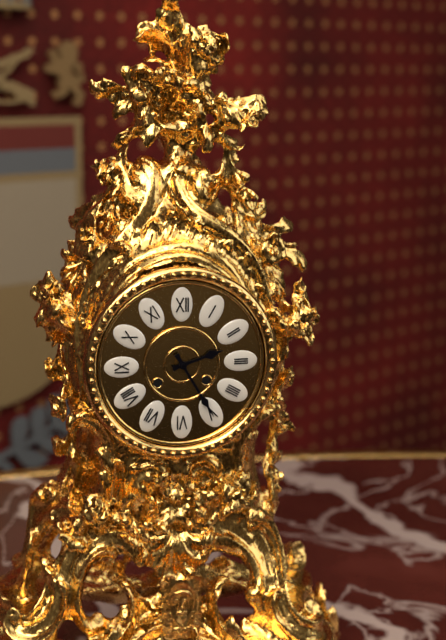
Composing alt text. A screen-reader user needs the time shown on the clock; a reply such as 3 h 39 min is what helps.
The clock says 2 h 25 min
